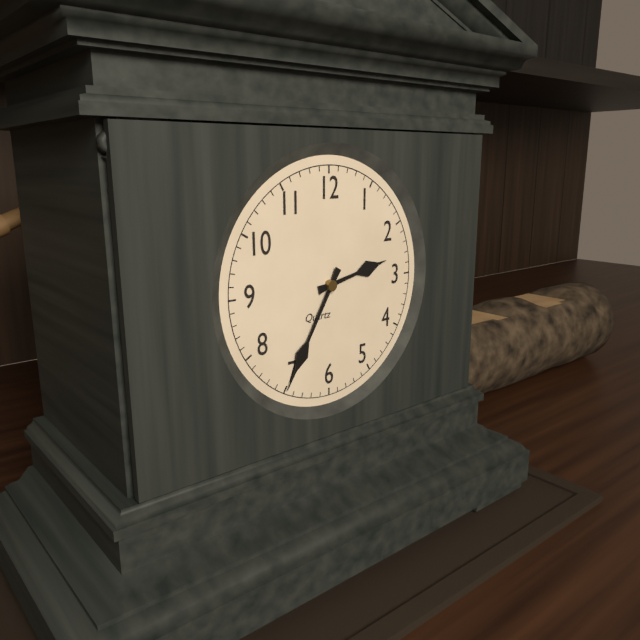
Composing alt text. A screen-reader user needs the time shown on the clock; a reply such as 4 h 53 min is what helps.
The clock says 2 h 35 min
